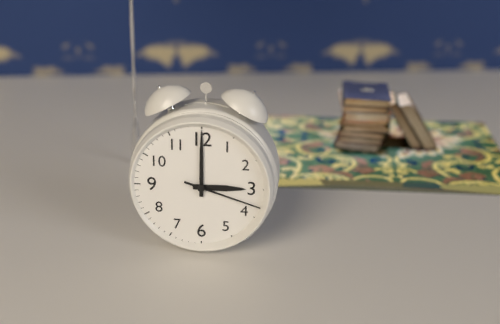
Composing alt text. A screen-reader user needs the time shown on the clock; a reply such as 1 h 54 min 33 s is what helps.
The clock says 3 h 00 min 18 s
